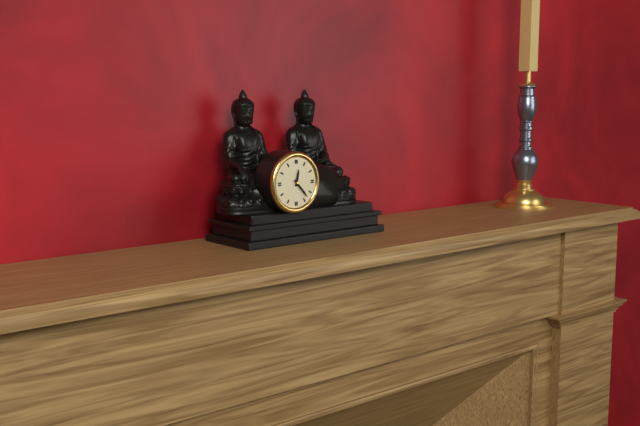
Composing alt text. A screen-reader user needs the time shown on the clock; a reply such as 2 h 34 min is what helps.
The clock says 12 h 23 min
